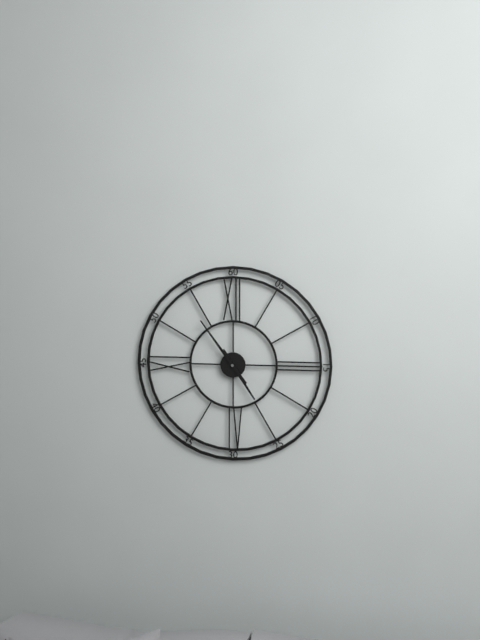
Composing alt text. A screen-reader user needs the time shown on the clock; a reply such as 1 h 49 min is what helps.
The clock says 4 h 54 min
